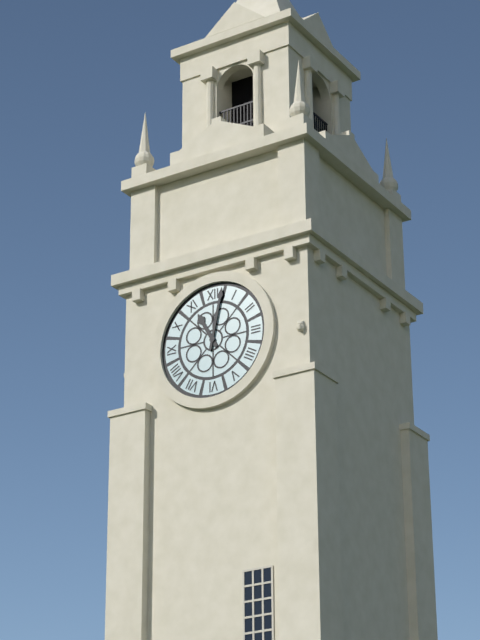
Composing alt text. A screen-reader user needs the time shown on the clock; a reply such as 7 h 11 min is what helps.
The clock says 11 h 02 min
